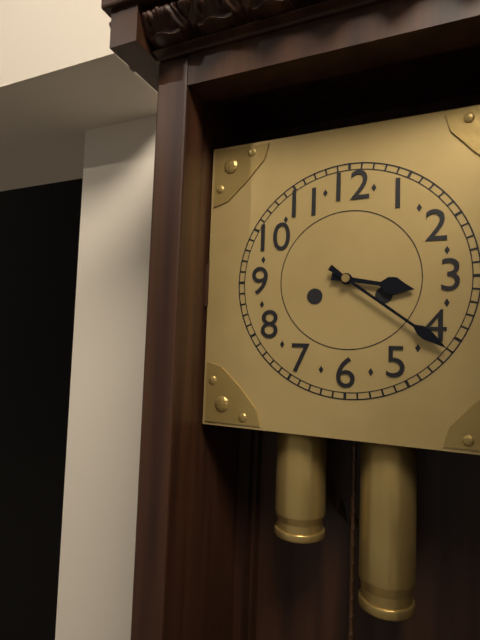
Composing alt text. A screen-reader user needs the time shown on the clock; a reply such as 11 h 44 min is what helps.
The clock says 3 h 21 min
